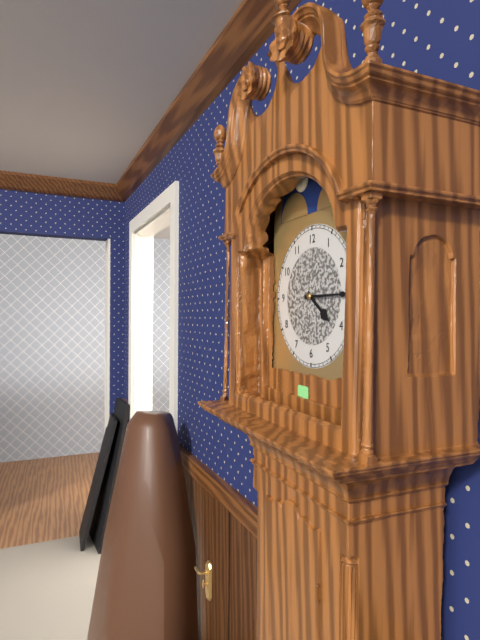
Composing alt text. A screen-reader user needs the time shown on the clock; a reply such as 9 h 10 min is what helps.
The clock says 4 h 15 min
